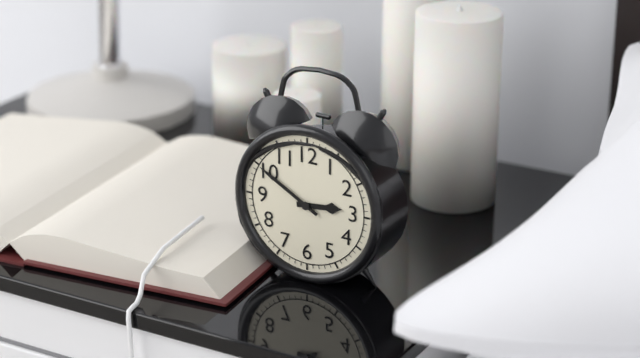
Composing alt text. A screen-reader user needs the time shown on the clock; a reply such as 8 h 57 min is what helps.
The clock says 2 h 50 min
